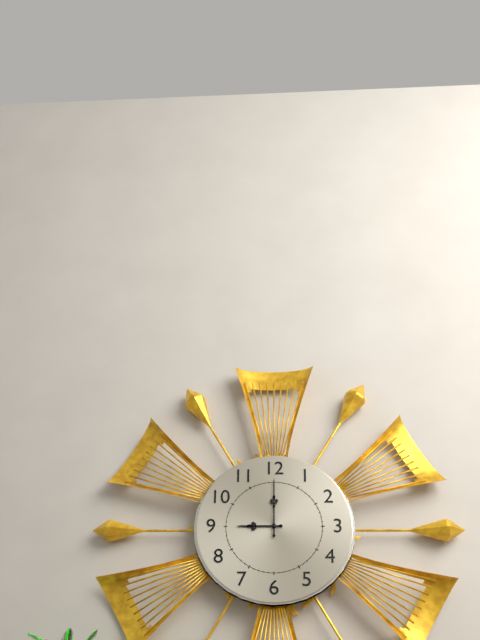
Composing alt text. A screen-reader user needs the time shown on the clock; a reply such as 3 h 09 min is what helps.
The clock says 9 h 00 min
